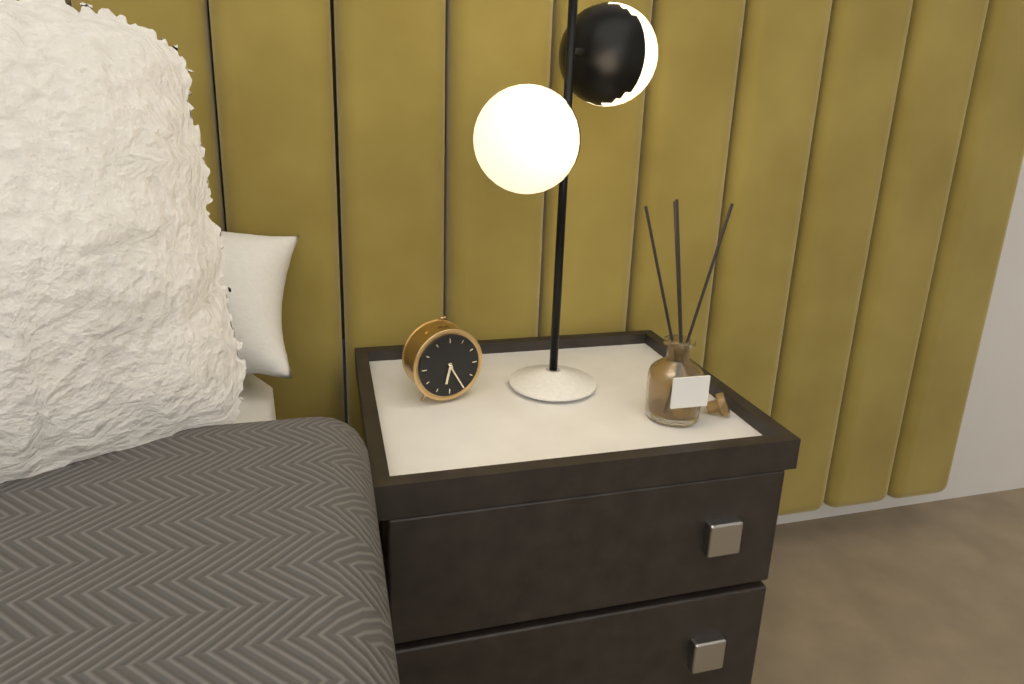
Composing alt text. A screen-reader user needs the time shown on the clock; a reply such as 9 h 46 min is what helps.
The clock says 6 h 25 min
